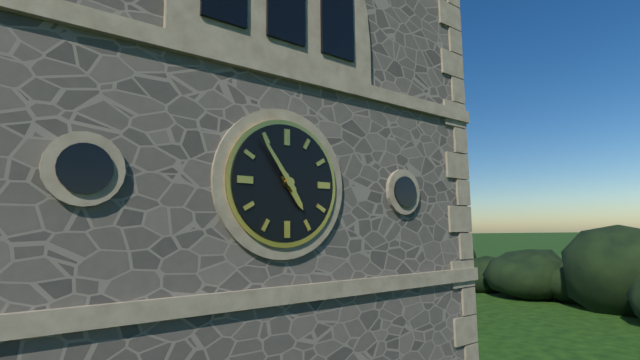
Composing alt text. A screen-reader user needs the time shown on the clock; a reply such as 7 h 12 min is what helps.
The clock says 4 h 54 min
